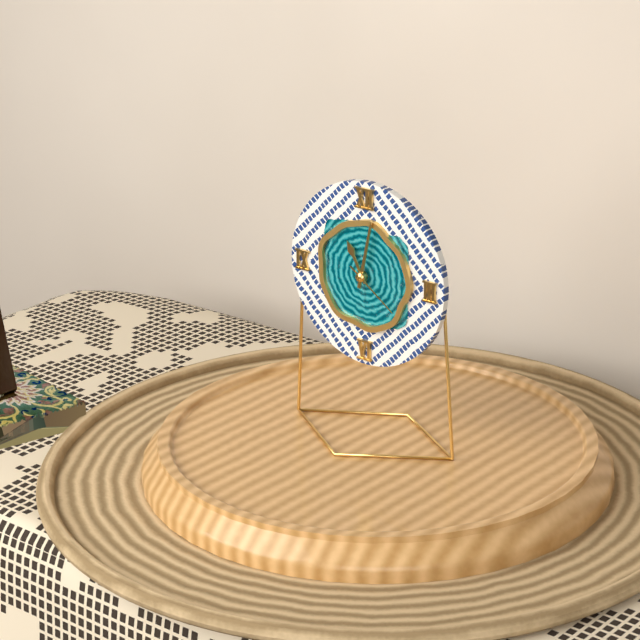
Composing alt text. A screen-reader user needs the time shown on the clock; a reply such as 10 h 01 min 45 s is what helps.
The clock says 11 h 02 min 21 s
